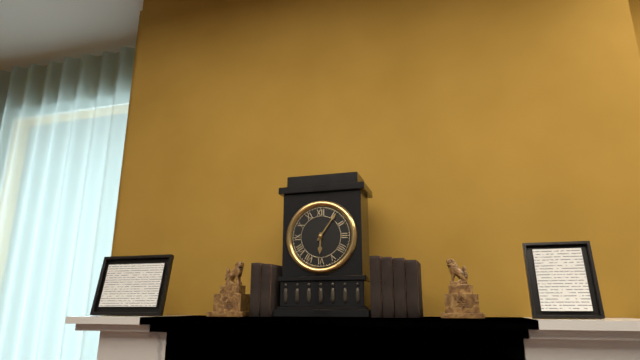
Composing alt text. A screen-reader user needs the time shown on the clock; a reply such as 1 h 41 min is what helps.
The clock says 6 h 06 min
